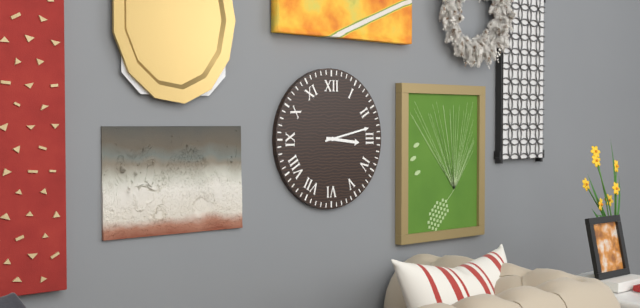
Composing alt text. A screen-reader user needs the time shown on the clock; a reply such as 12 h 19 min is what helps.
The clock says 3 h 13 min
